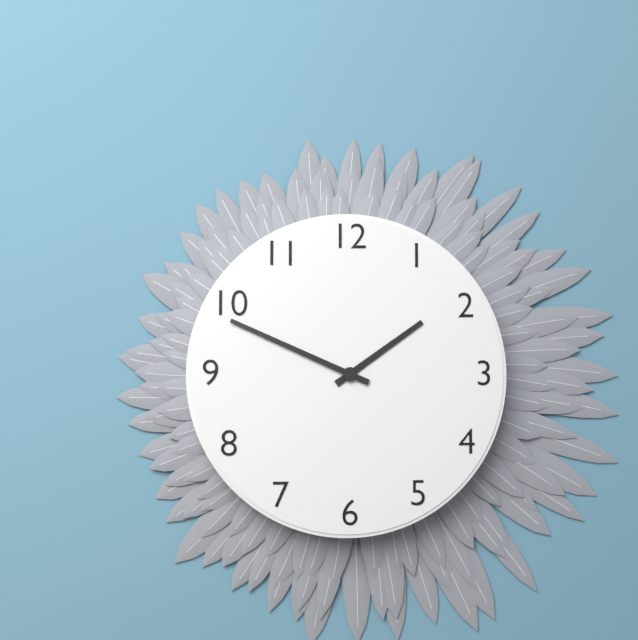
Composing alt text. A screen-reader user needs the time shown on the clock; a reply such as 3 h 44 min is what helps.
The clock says 1 h 49 min
